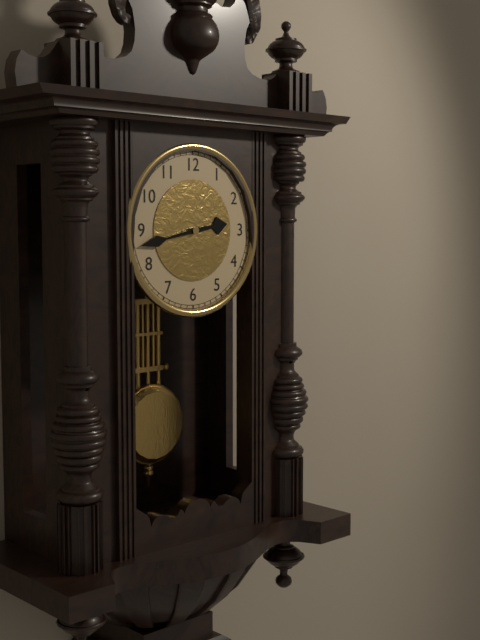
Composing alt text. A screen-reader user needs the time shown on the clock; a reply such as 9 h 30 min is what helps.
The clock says 2 h 43 min
